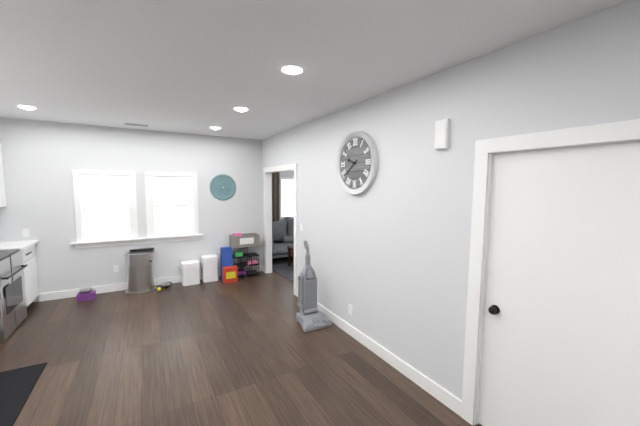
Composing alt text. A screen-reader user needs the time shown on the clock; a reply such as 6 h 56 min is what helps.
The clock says 9 h 39 min
